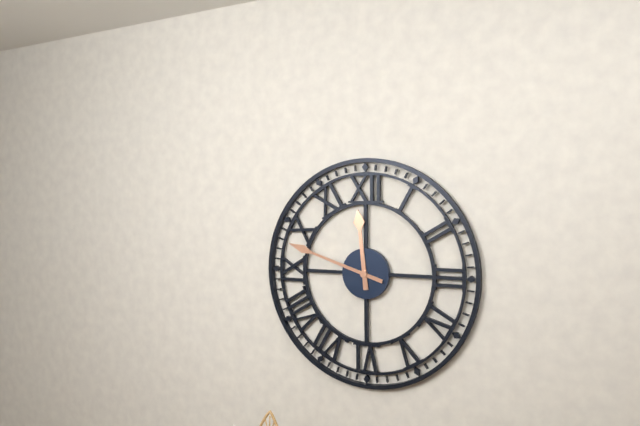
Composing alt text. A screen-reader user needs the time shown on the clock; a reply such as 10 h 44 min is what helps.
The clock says 11 h 48 min
